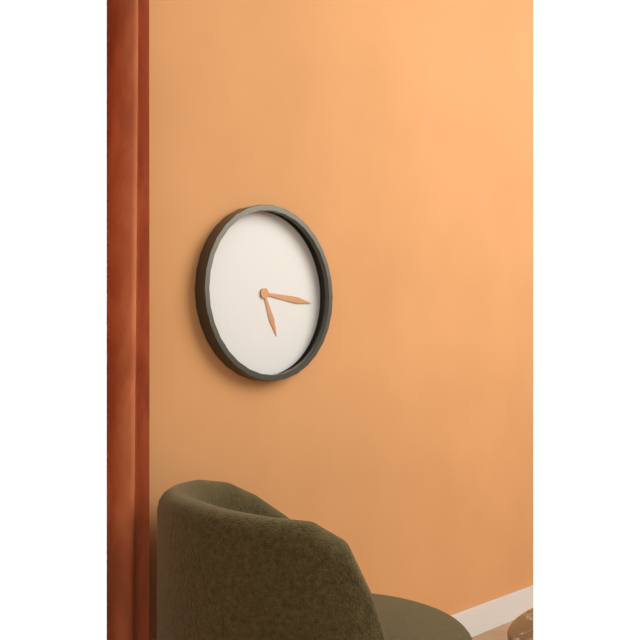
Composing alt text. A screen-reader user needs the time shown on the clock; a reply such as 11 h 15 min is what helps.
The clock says 5 h 16 min
